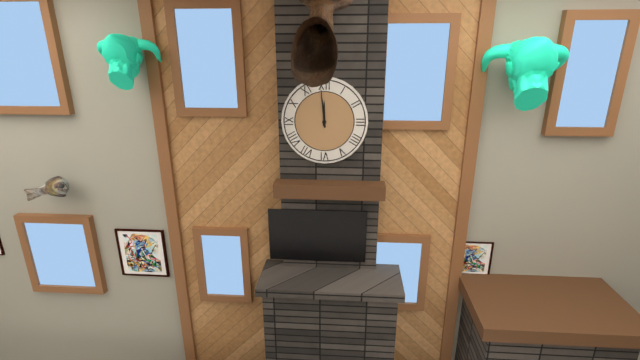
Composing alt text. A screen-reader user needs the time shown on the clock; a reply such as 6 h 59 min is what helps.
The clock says 11 h 59 min
